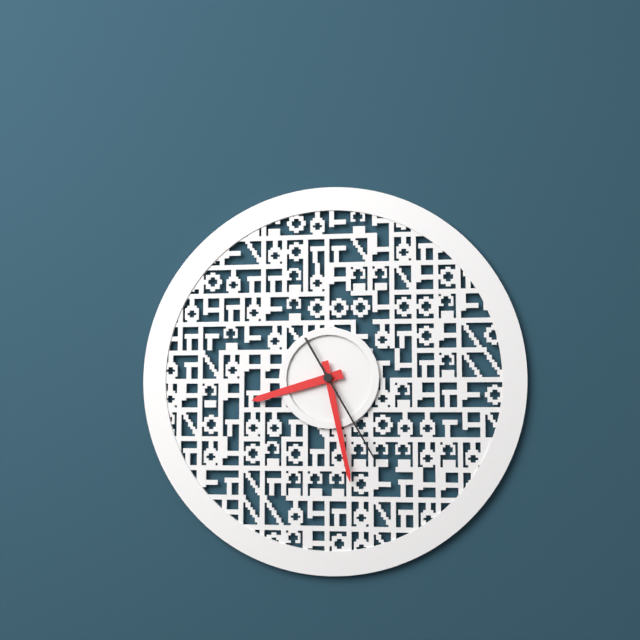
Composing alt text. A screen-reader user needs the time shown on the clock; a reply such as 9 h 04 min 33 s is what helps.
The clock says 8 h 28 min 25 s
